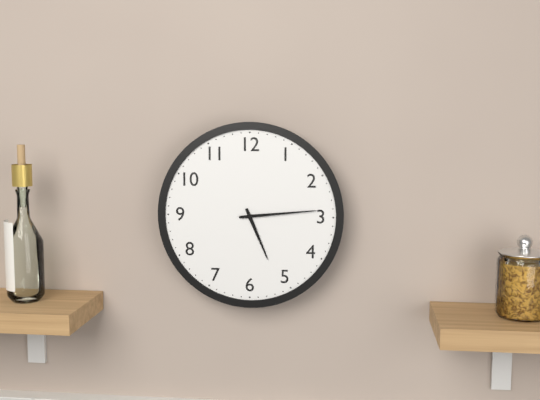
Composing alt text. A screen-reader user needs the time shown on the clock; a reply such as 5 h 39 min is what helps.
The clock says 5 h 14 min
